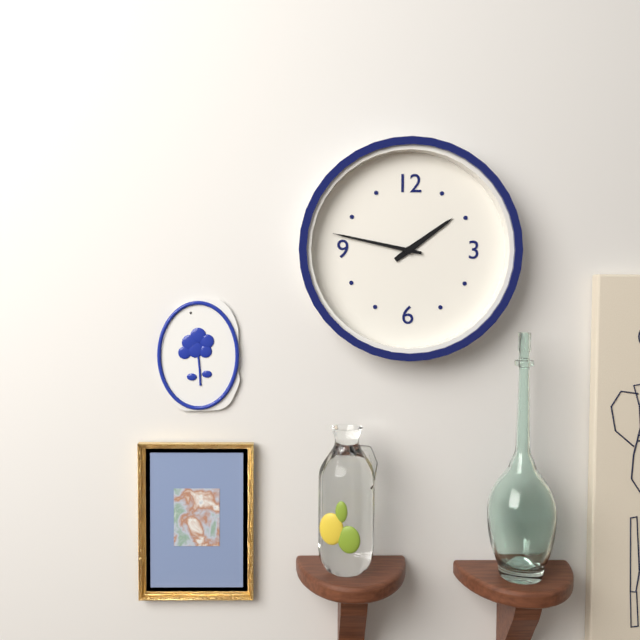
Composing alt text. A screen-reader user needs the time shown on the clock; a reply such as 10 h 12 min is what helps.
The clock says 1 h 47 min
